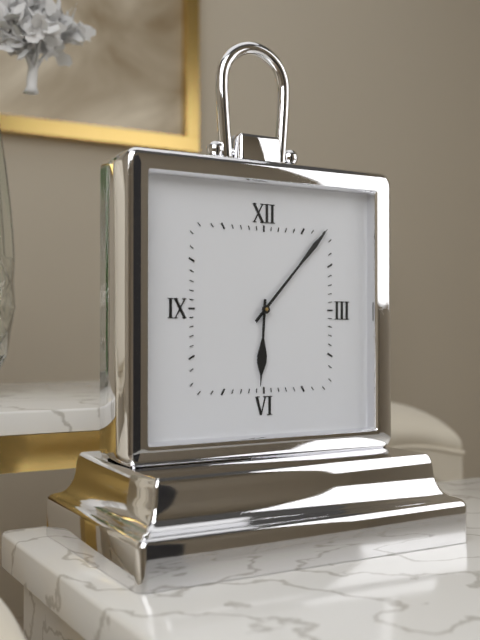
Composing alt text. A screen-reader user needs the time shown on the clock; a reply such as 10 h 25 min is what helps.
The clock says 6 h 07 min
